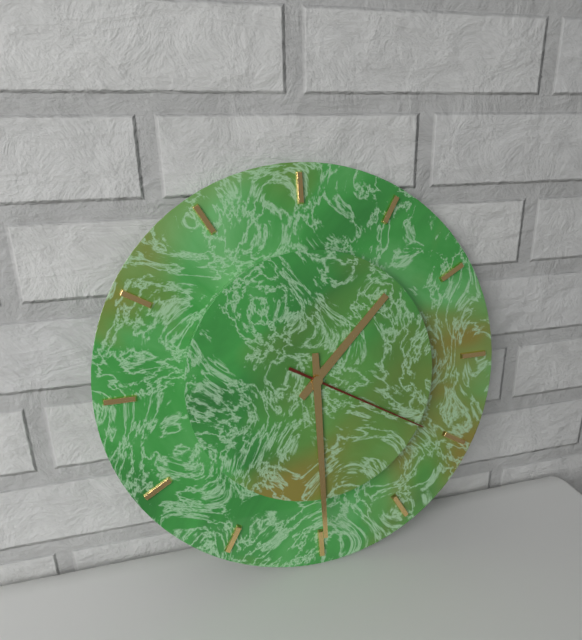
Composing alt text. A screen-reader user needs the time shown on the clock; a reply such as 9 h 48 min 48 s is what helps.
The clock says 1 h 30 min 20 s
